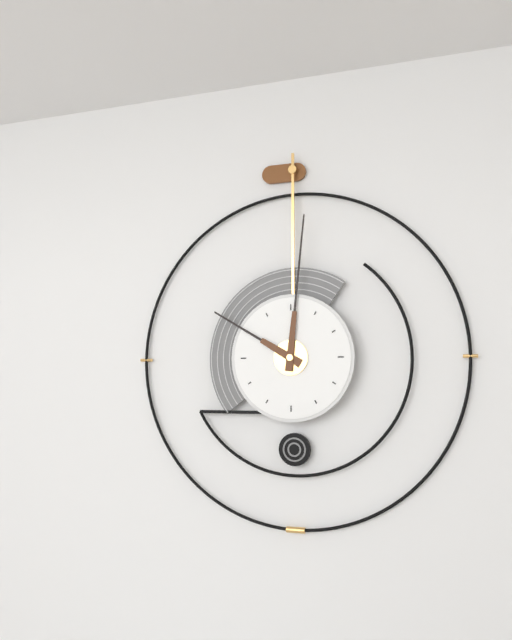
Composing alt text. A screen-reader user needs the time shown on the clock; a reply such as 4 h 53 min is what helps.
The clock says 10 h 01 min
